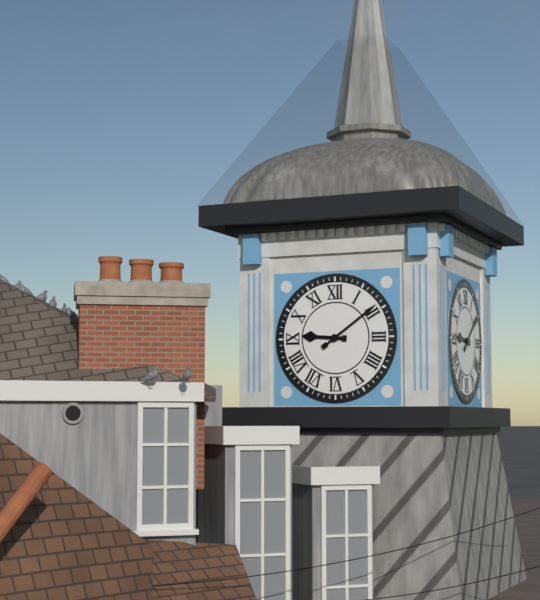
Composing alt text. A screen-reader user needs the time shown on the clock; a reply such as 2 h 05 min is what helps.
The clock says 9 h 09 min
